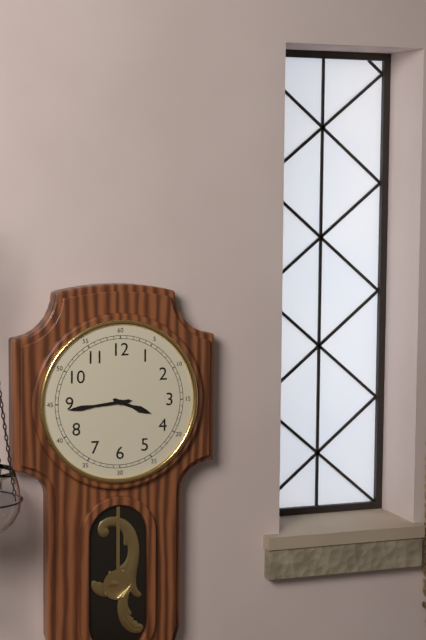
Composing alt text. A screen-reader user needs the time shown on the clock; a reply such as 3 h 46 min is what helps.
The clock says 3 h 44 min
